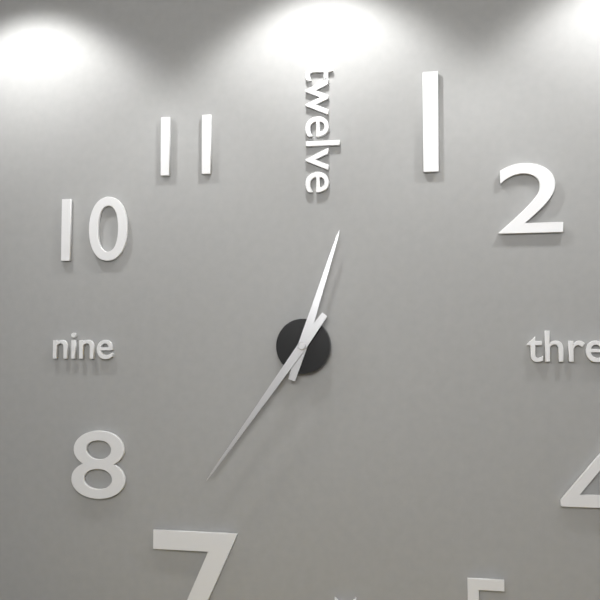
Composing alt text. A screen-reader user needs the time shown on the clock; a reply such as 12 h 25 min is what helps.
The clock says 12 h 36 min
